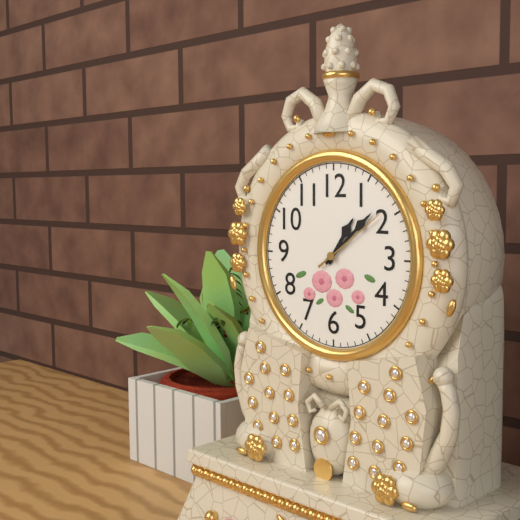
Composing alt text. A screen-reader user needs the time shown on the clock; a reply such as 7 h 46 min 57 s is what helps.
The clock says 1 h 08 min 09 s
